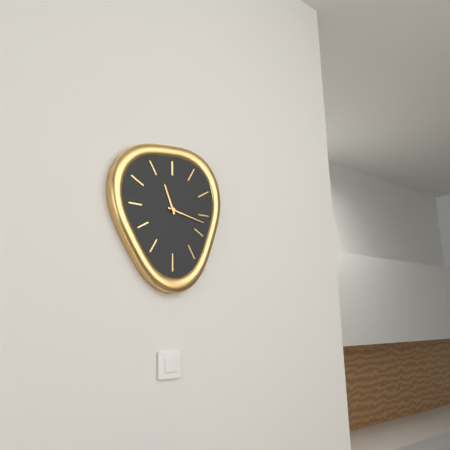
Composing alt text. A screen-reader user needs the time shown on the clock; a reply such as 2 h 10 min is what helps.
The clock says 11 h 17 min
